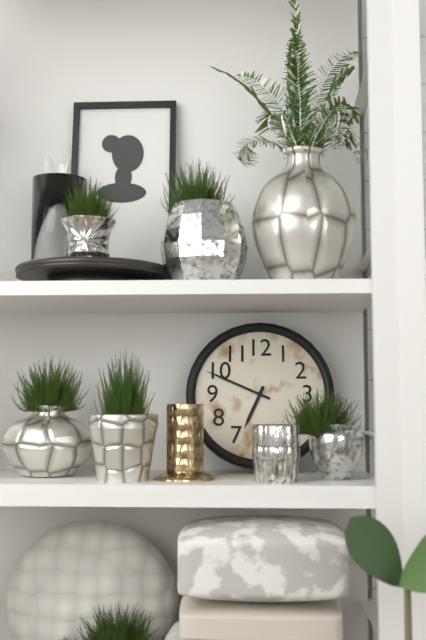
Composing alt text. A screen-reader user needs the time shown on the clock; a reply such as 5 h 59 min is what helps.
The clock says 6 h 49 min
